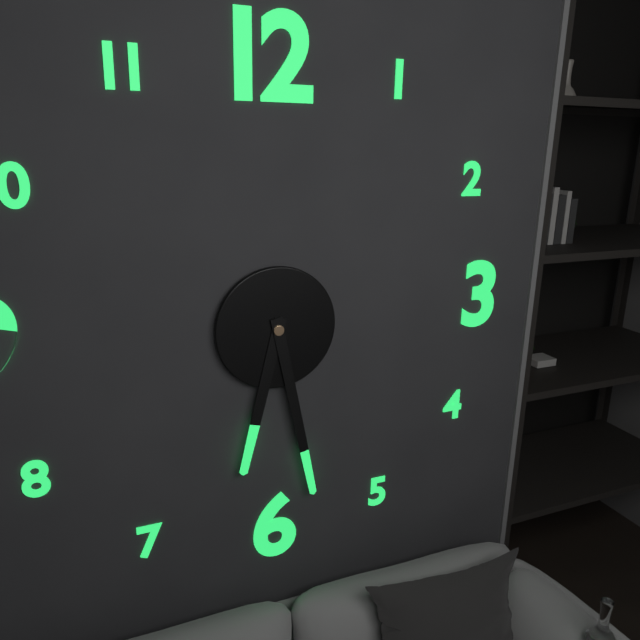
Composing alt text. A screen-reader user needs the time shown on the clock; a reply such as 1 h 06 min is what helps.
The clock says 6 h 28 min
